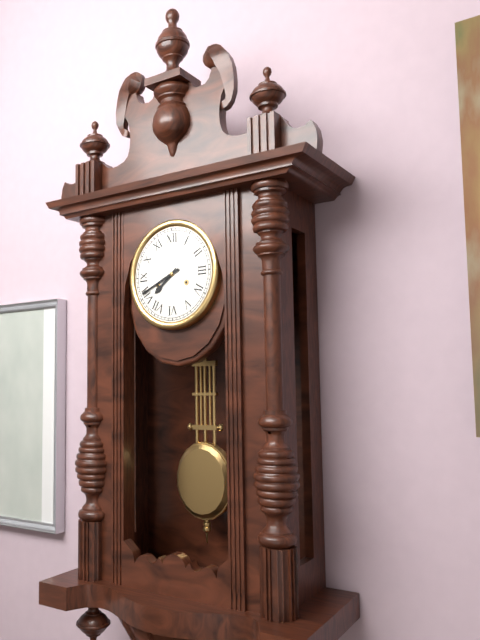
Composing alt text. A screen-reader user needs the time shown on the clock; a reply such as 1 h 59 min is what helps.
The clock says 7 h 41 min
